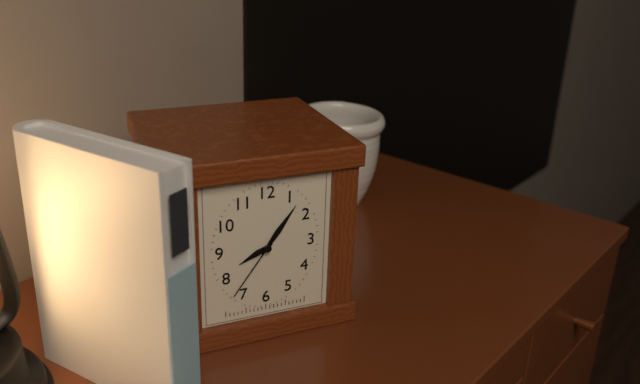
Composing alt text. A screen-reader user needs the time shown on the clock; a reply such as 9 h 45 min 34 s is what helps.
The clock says 8 h 06 min 36 s
